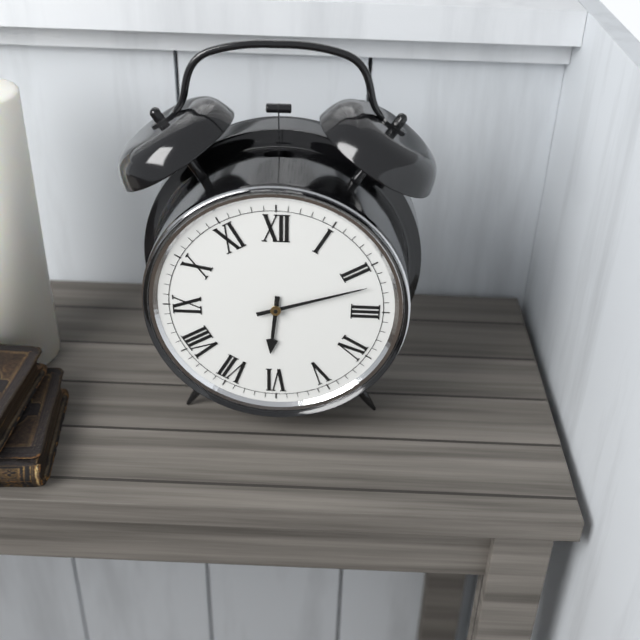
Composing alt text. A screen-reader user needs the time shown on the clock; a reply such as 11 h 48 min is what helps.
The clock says 6 h 12 min
